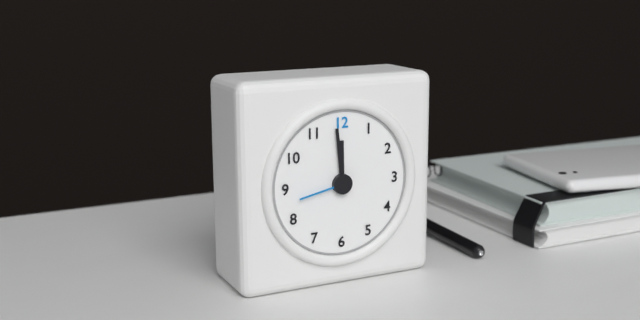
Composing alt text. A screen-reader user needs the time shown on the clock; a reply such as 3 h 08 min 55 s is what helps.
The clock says 11 h 59 min 43 s
